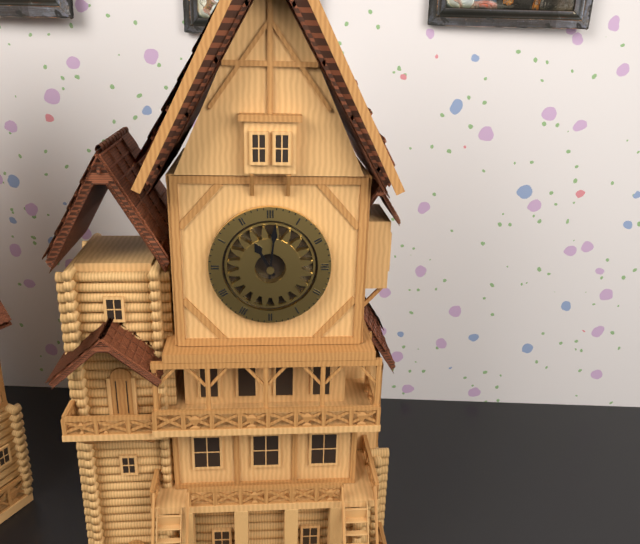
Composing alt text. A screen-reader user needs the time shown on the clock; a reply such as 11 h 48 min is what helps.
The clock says 11 h 01 min
